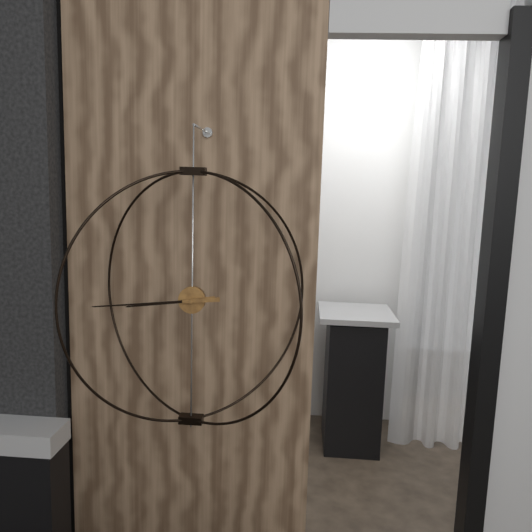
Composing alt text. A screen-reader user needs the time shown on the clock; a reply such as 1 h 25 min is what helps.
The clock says 8 h 44 min
